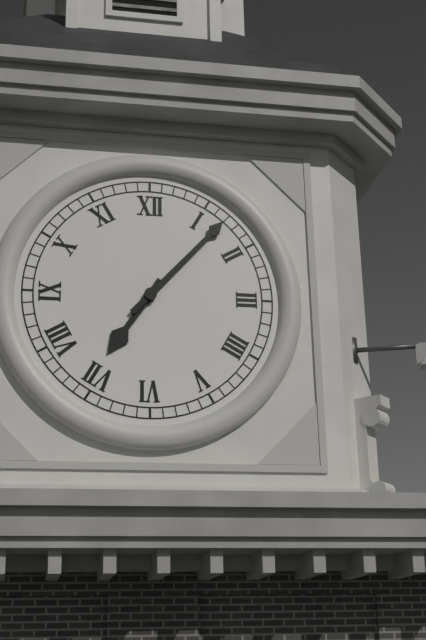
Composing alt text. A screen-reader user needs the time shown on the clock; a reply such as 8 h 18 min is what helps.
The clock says 7 h 07 min
